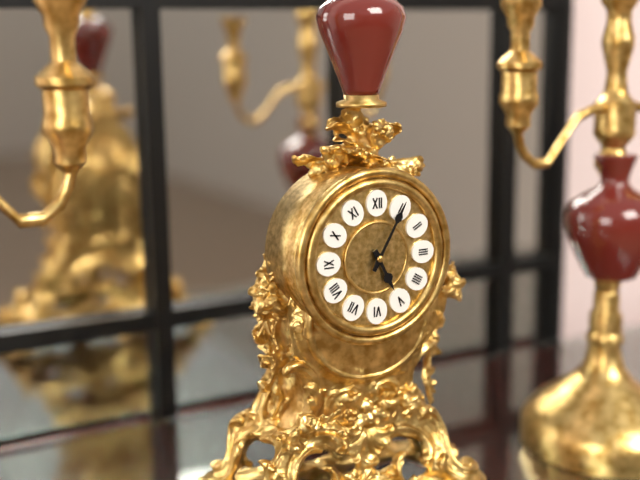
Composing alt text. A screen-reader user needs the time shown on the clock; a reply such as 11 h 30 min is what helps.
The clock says 5 h 05 min
